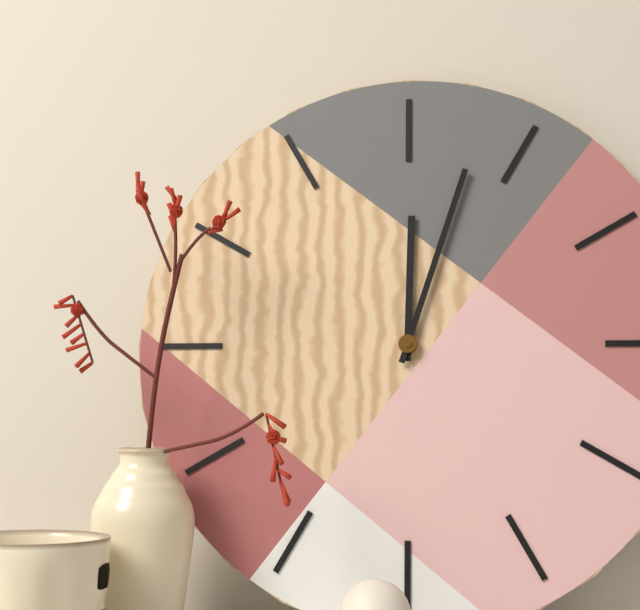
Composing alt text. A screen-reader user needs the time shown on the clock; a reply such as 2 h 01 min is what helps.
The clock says 12 h 03 min
